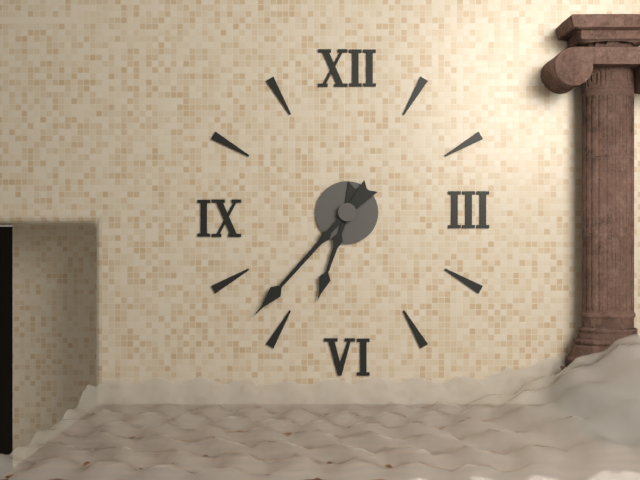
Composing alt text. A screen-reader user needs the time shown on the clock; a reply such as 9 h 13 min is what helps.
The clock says 6 h 37 min
